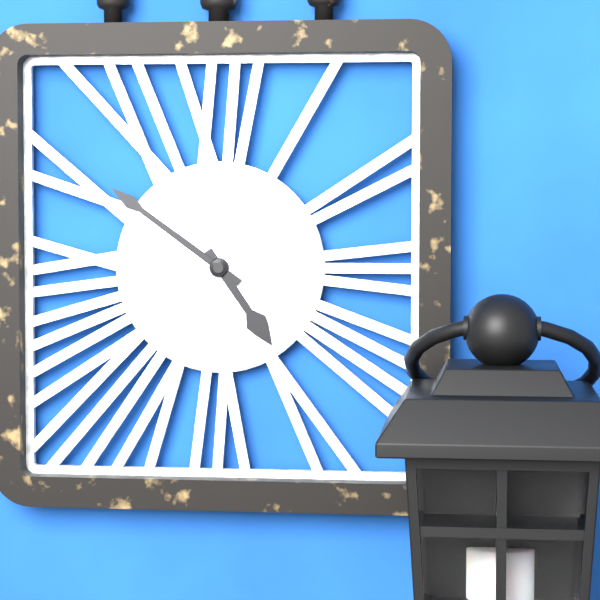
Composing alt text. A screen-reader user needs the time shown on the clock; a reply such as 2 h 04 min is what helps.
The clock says 4 h 51 min
